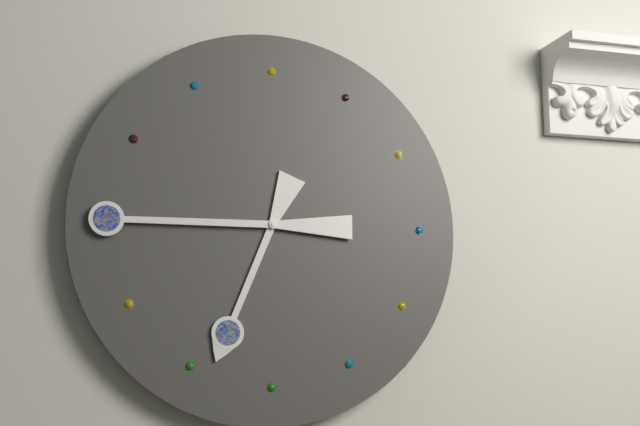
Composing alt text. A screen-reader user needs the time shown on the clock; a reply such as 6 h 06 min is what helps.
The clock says 6 h 45 min
